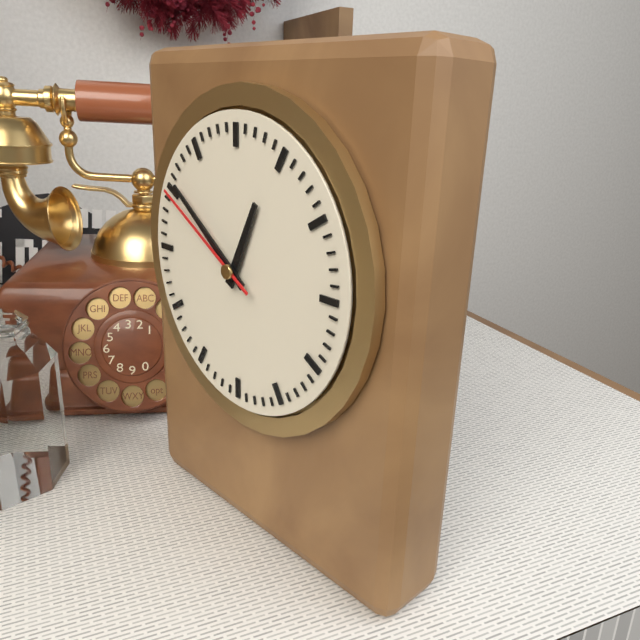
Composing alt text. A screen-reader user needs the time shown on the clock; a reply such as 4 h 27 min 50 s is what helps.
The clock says 12 h 51 min 50 s
